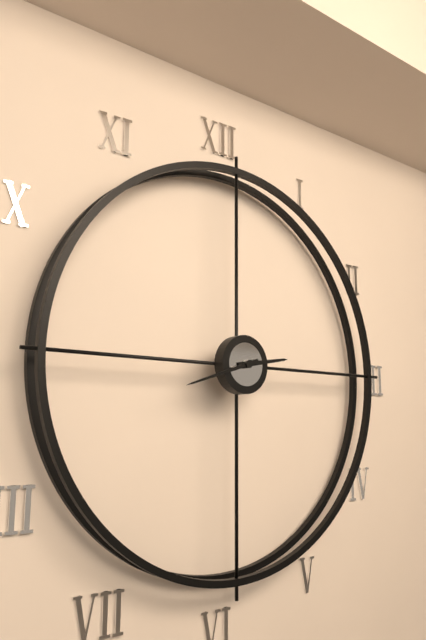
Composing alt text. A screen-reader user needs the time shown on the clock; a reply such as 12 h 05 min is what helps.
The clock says 2 h 42 min
